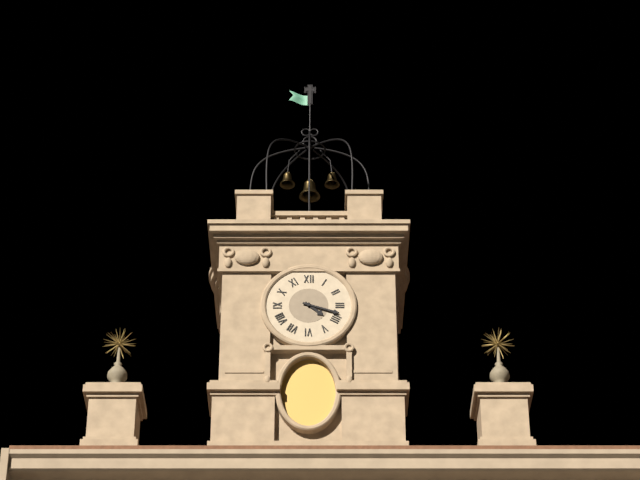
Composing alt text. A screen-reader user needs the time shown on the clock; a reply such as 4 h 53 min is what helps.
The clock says 4 h 18 min
